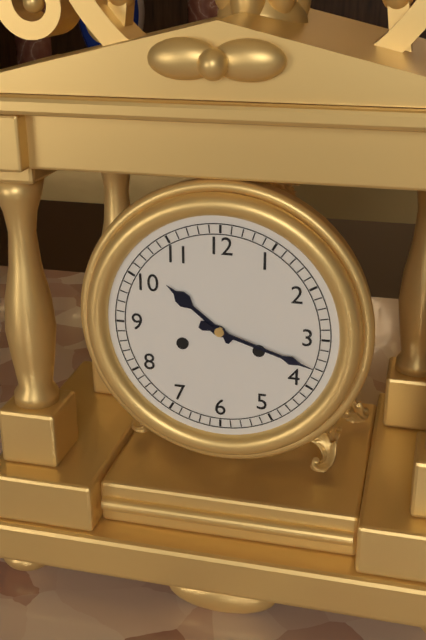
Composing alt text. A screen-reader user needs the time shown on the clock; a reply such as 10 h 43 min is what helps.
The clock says 10 h 18 min
